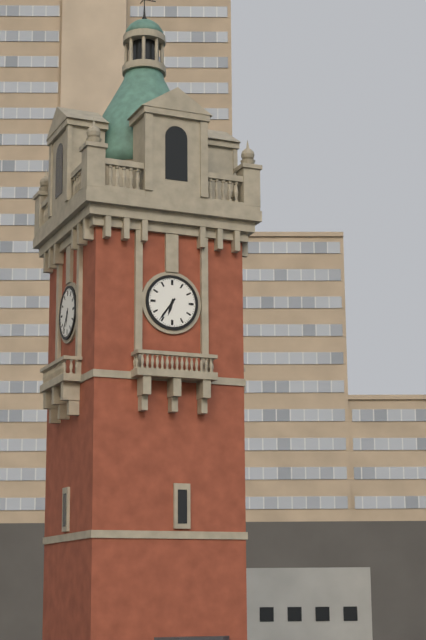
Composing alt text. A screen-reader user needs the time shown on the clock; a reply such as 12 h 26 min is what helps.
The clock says 6 h 36 min
